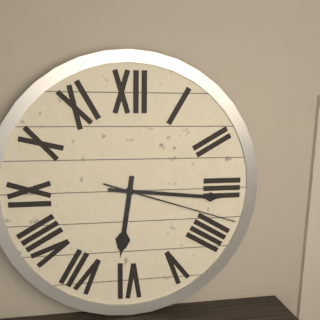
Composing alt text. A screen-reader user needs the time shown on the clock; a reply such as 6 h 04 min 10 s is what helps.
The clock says 6 h 16 min 18 s
